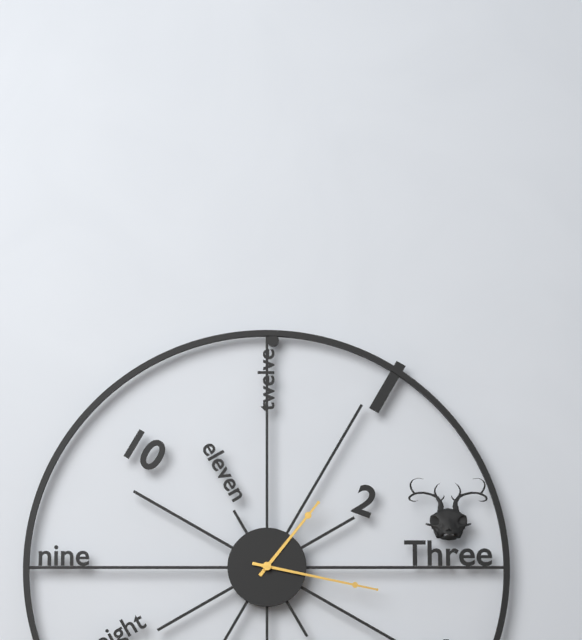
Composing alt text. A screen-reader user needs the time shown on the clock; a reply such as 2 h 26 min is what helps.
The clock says 1 h 17 min
